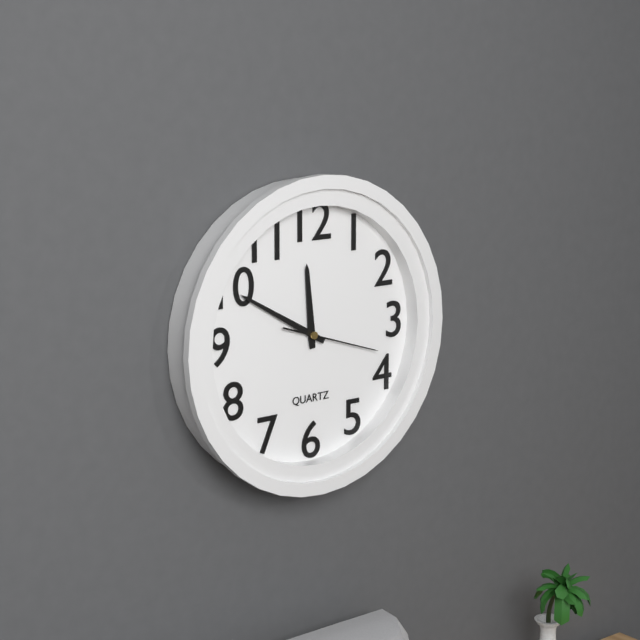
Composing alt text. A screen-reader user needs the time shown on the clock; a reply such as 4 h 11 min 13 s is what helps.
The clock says 11 h 50 min 18 s
